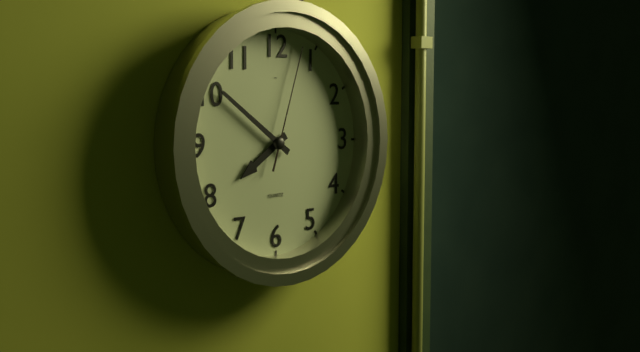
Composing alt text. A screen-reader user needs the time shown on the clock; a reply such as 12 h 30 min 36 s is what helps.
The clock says 7 h 51 min 03 s
